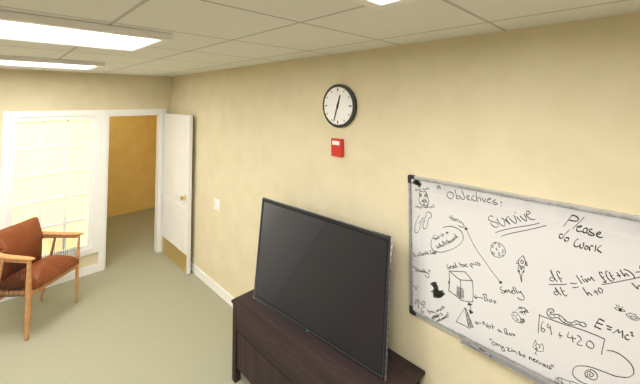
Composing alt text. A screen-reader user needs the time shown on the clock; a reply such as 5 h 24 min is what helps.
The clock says 12 h 33 min
